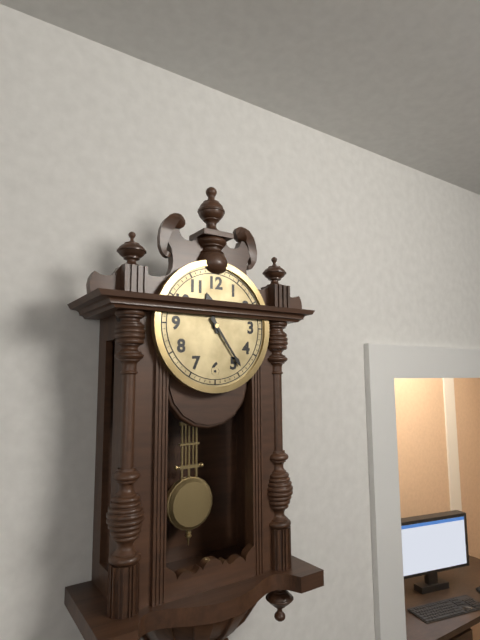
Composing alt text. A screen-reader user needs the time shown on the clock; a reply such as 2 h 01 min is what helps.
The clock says 11 h 24 min
